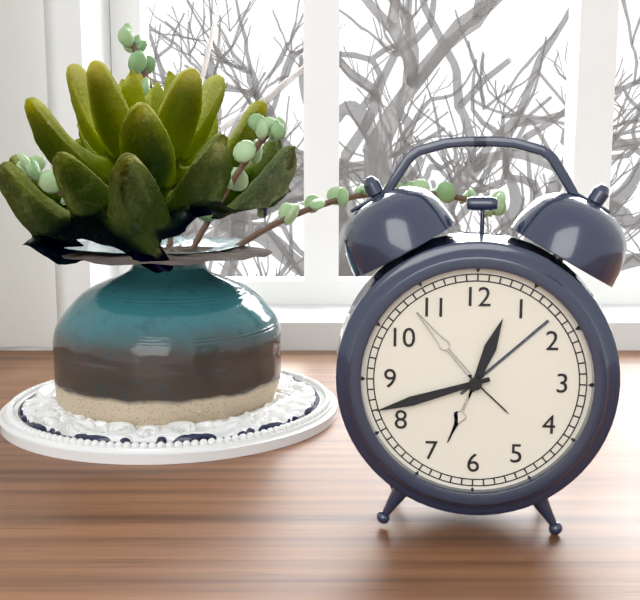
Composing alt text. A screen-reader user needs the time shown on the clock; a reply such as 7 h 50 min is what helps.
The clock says 12 h 42 min
